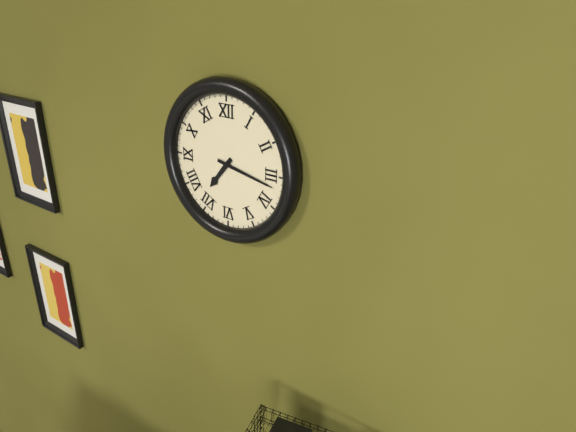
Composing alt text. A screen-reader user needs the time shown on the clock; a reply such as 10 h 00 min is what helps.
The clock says 7 h 17 min
